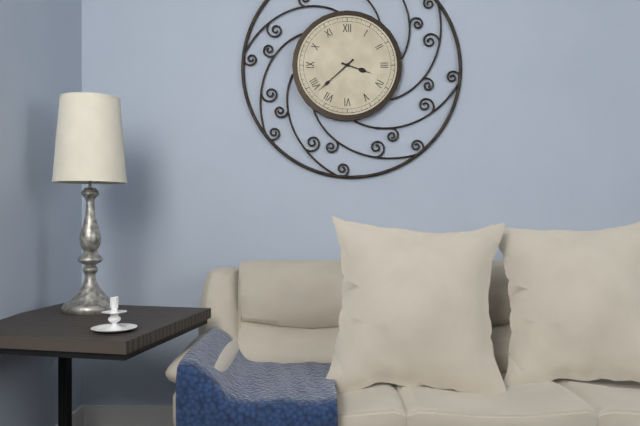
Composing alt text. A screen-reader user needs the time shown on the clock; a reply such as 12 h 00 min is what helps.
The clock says 3 h 38 min
